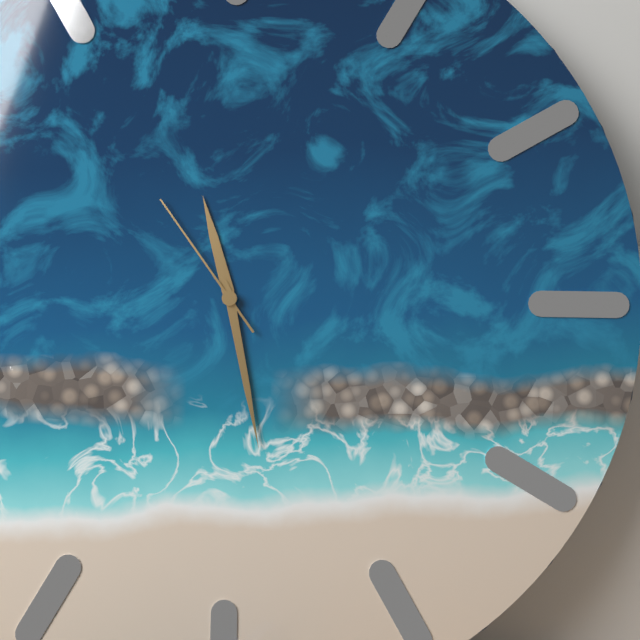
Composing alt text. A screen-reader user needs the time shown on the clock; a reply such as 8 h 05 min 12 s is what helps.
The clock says 11 h 28 min 54 s
